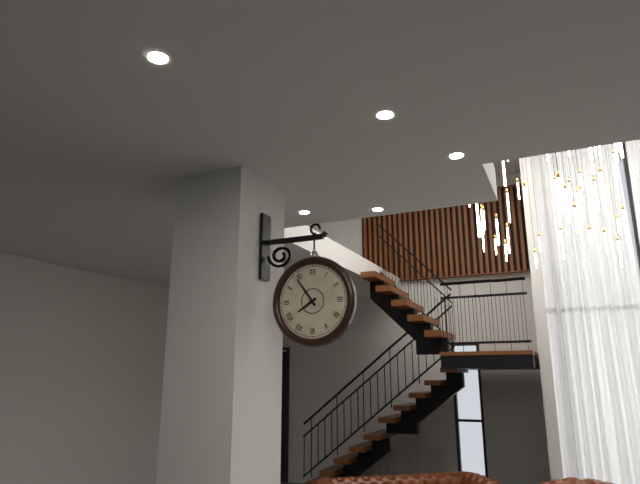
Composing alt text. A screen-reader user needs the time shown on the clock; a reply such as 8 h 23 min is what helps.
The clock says 7 h 54 min
